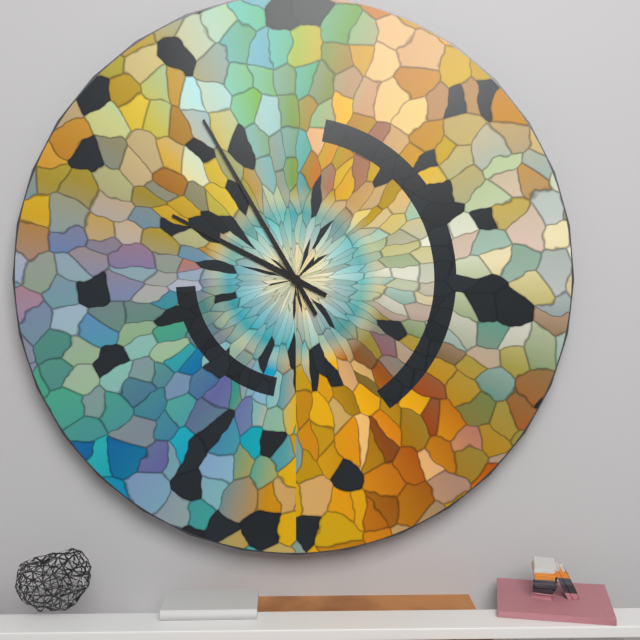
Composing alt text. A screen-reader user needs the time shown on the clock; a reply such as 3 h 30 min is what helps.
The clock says 9 h 55 min
